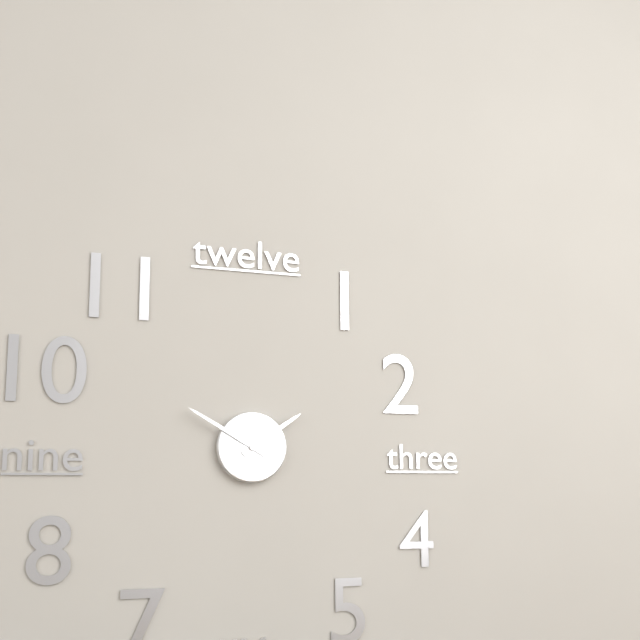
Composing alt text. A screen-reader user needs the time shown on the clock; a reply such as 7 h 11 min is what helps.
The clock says 1 h 50 min
